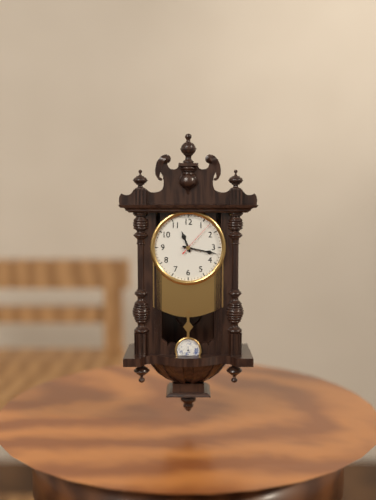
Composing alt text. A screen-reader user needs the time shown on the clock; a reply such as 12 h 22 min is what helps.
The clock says 11 h 17 min
